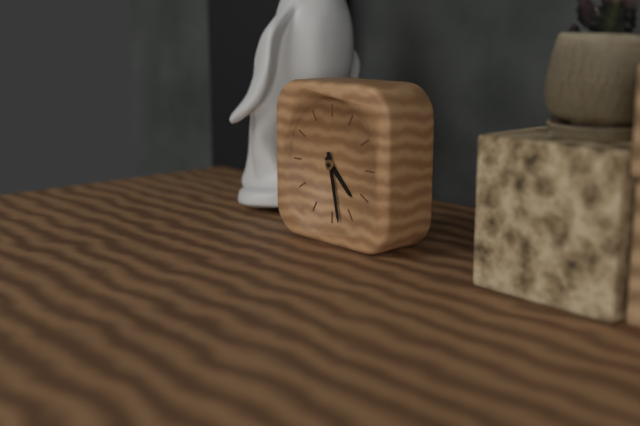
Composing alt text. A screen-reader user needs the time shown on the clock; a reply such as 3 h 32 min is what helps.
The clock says 4 h 28 min
